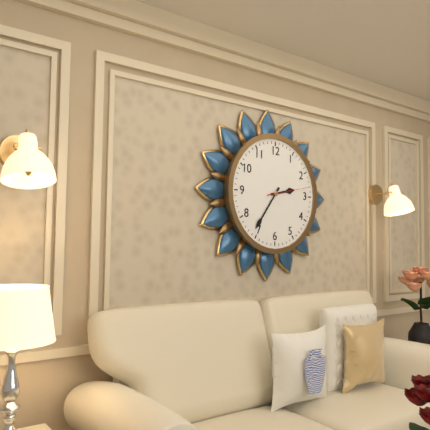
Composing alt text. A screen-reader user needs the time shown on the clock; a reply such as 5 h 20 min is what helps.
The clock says 2 h 36 min
